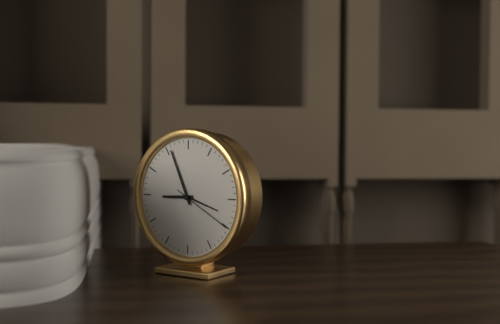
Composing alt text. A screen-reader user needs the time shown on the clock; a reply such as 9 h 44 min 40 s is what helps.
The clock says 8 h 56 min 20 s
